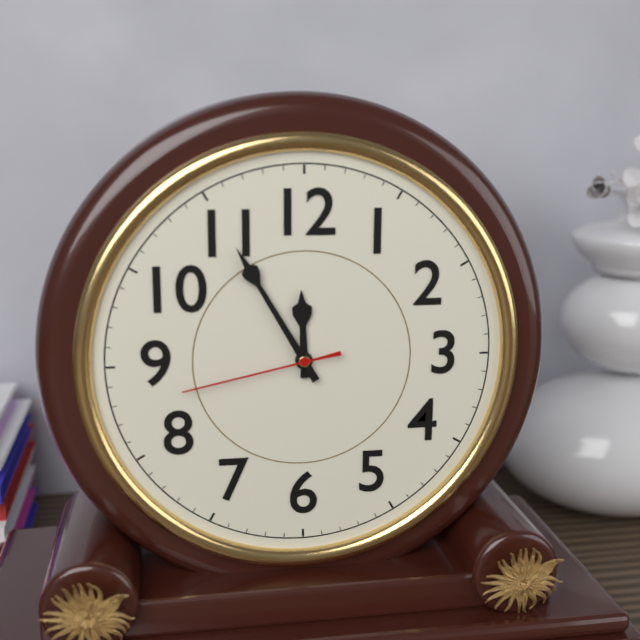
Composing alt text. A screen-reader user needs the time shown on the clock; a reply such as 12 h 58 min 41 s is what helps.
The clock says 11 h 55 min 43 s
